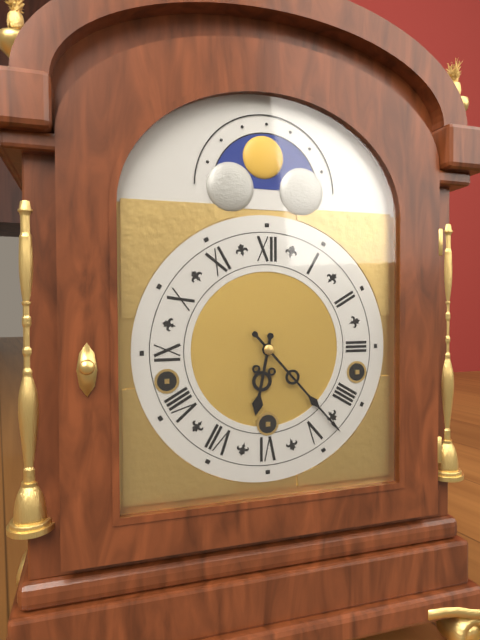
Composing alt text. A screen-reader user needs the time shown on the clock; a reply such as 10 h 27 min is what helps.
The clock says 6 h 23 min
